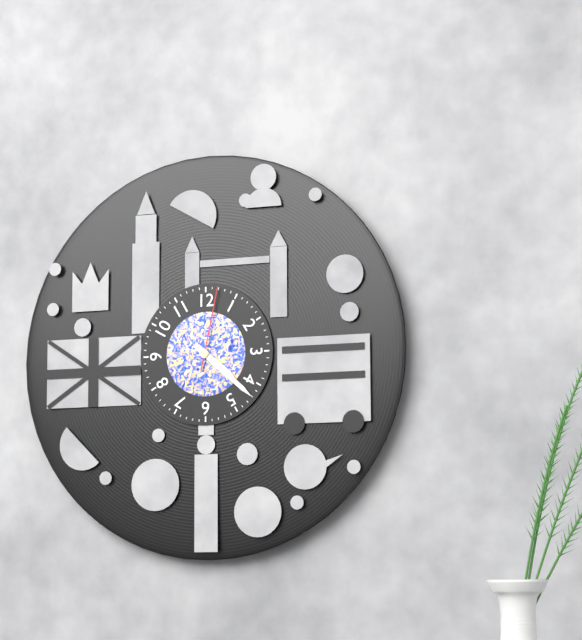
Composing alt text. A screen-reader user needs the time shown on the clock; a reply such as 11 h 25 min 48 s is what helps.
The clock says 4 h 22 min 02 s
